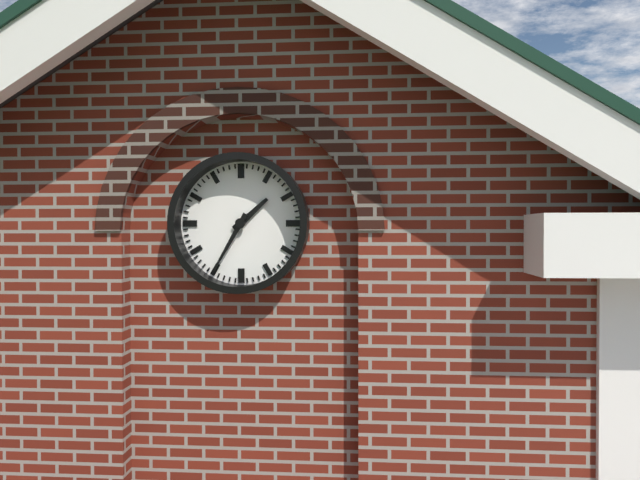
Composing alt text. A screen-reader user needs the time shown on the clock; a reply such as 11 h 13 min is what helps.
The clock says 1 h 35 min
